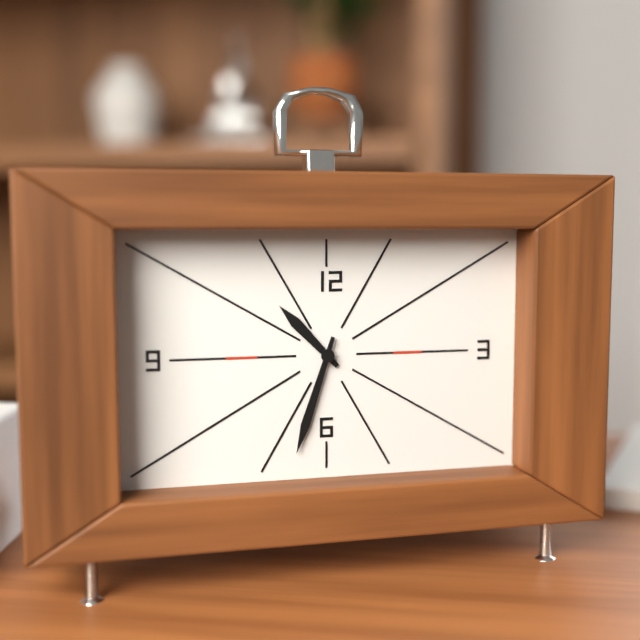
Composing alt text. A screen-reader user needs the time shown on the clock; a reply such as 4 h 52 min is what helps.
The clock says 10 h 33 min
